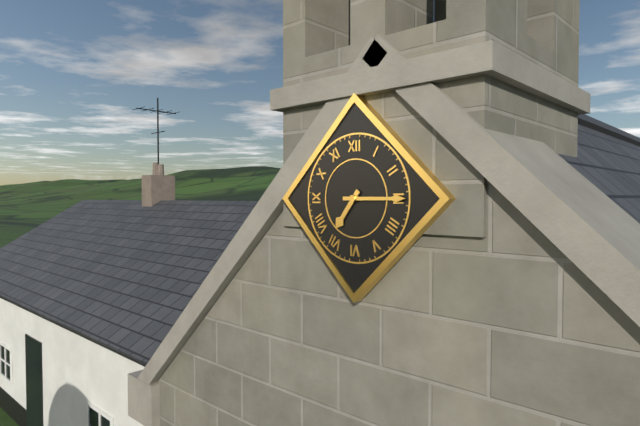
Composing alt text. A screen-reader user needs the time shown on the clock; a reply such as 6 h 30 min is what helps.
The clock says 7 h 15 min
